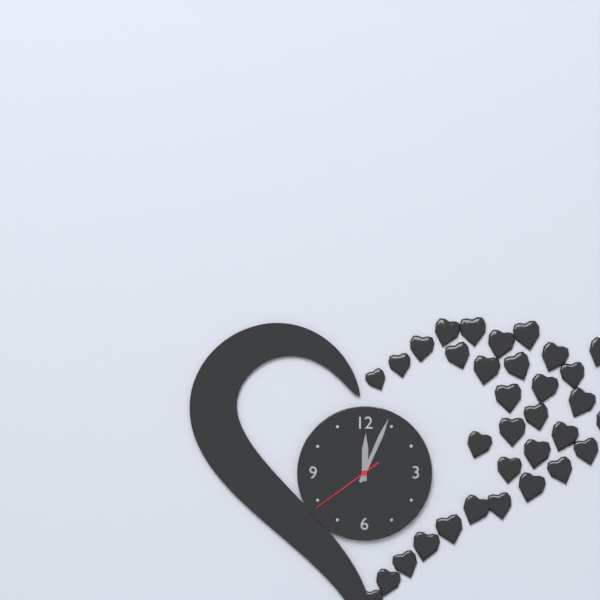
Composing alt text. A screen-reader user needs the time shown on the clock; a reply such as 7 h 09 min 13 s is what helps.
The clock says 12 h 04 min 39 s
